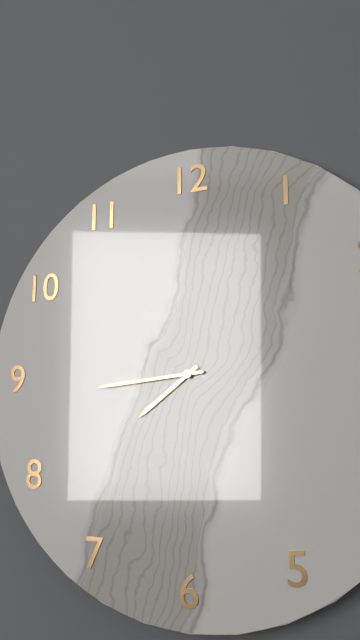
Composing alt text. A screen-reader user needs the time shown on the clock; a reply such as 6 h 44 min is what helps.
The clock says 7 h 44 min
